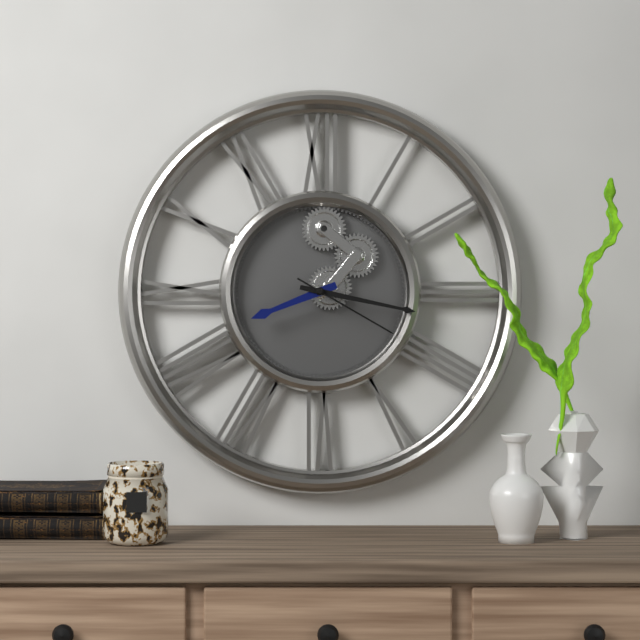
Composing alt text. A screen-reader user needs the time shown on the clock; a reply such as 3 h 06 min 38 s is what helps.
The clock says 8 h 17 min 20 s
